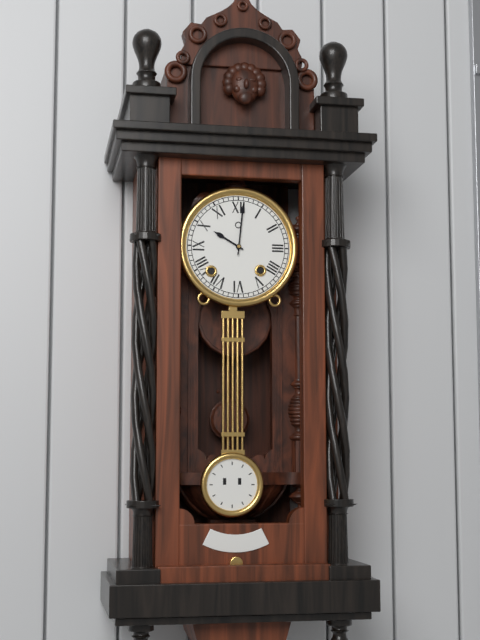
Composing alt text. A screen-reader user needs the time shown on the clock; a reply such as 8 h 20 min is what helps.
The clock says 10 h 01 min
